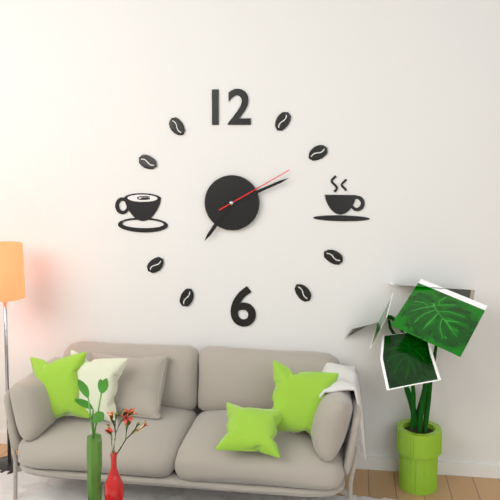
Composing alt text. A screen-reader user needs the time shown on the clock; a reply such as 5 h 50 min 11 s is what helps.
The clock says 7 h 11 min 10 s
